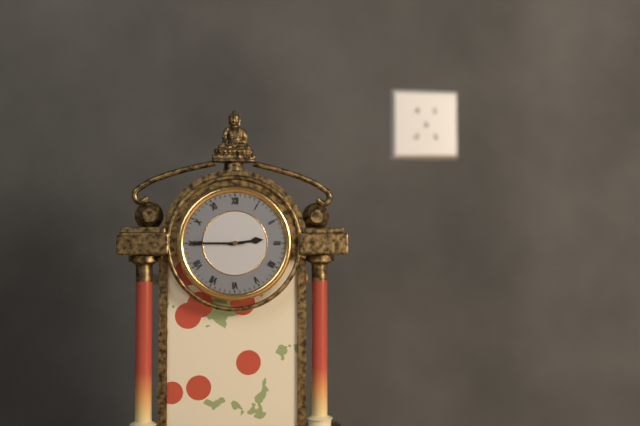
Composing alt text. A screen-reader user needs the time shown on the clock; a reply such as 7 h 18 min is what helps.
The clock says 2 h 45 min
